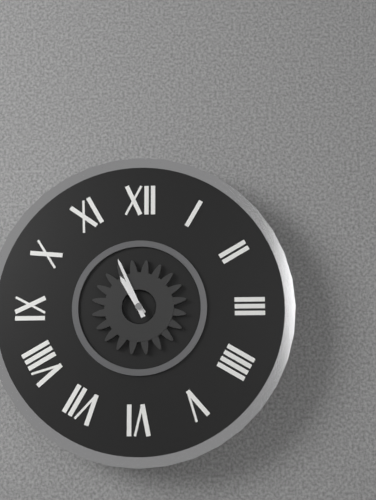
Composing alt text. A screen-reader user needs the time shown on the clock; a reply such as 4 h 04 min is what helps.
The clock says 10 h 56 min
